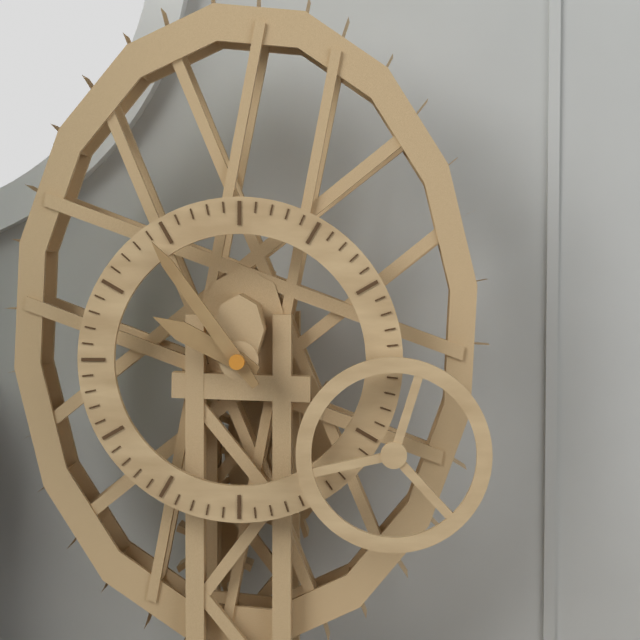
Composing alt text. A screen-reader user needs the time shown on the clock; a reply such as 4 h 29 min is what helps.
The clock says 9 h 54 min
